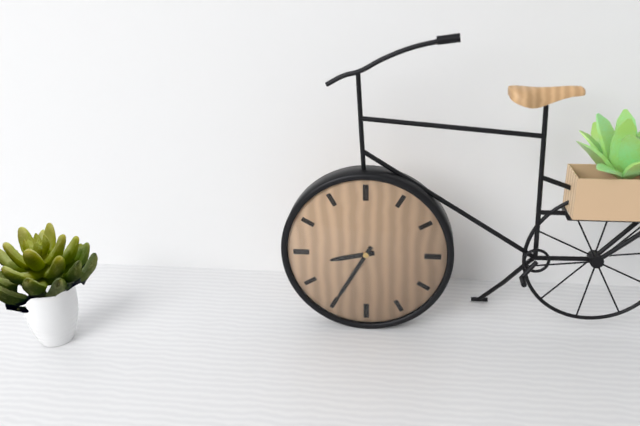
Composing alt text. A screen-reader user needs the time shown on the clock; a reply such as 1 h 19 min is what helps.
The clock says 8 h 35 min
